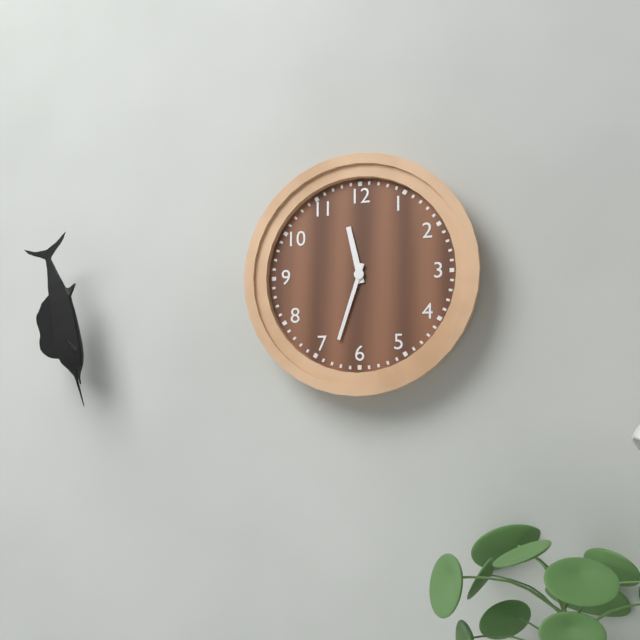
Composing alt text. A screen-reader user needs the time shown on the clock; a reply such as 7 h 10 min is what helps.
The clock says 11 h 33 min
